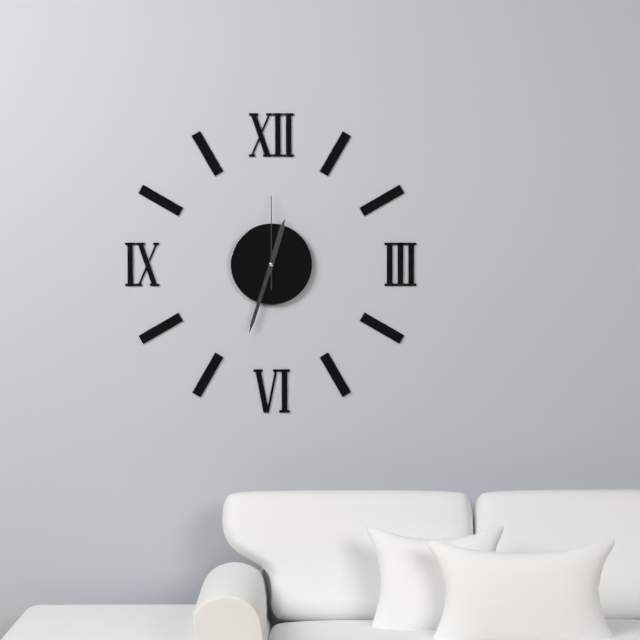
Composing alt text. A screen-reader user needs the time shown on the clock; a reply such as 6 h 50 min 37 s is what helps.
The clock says 12 h 33 min 00 s
